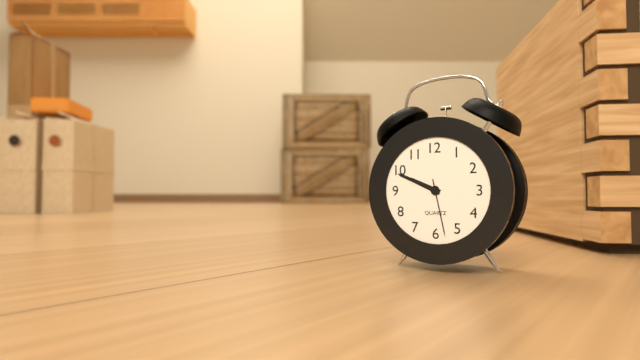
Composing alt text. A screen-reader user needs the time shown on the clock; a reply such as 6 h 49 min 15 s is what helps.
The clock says 9 h 49 min 28 s
